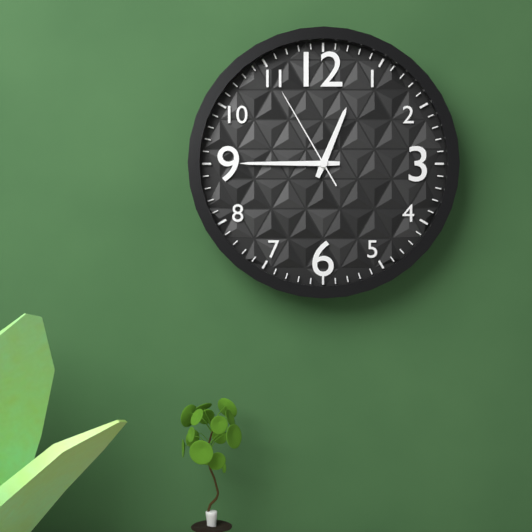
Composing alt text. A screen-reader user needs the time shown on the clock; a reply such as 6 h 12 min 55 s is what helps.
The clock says 12 h 45 min 55 s
